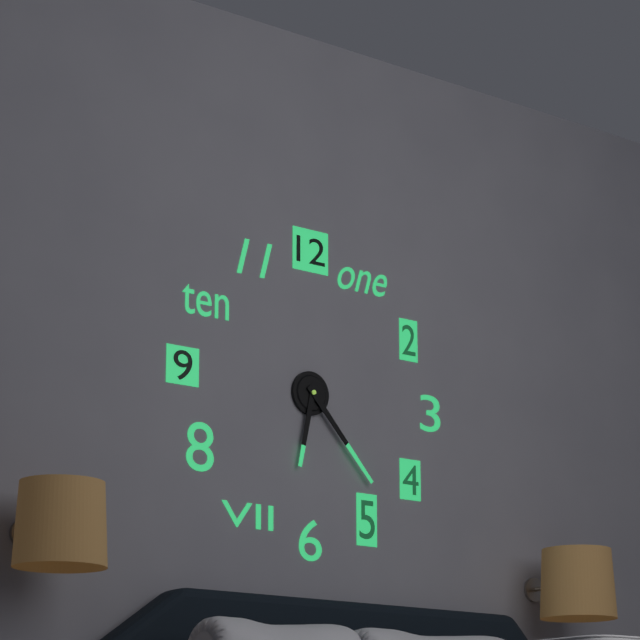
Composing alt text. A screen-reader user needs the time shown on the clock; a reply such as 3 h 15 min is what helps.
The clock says 6 h 23 min
